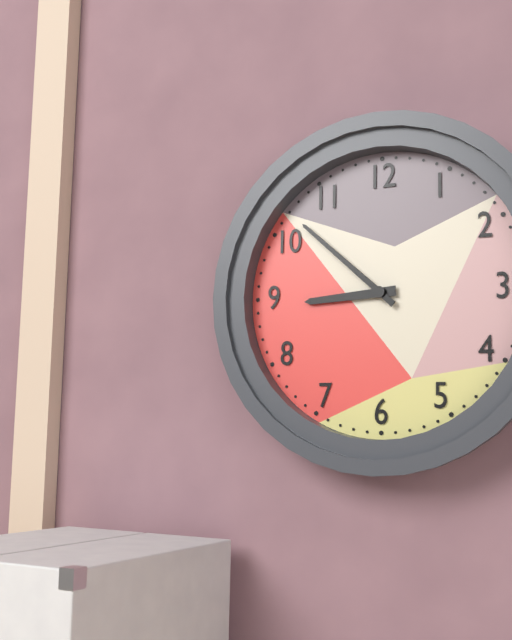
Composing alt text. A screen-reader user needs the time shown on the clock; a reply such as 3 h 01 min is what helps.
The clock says 8 h 52 min
